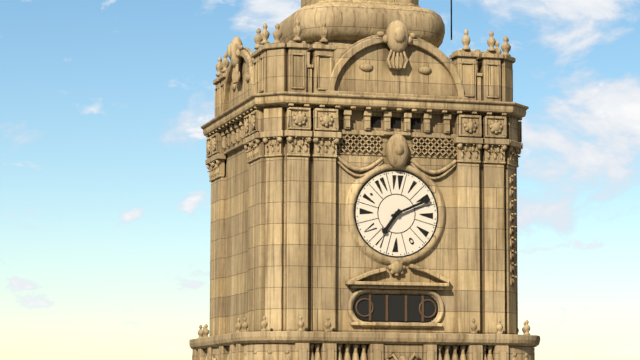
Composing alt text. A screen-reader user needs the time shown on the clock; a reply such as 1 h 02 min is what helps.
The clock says 7 h 11 min
